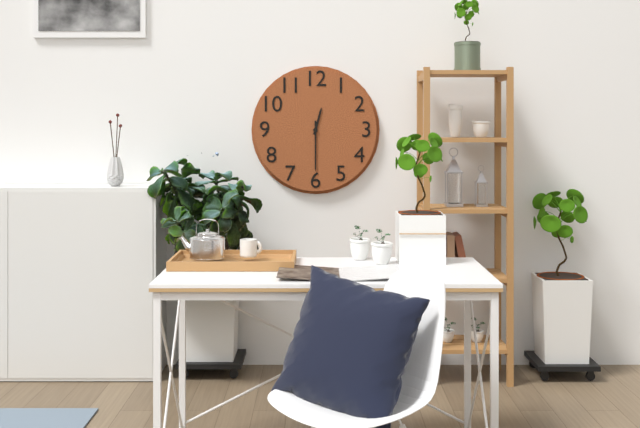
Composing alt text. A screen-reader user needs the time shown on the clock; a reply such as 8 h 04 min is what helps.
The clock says 12 h 30 min
